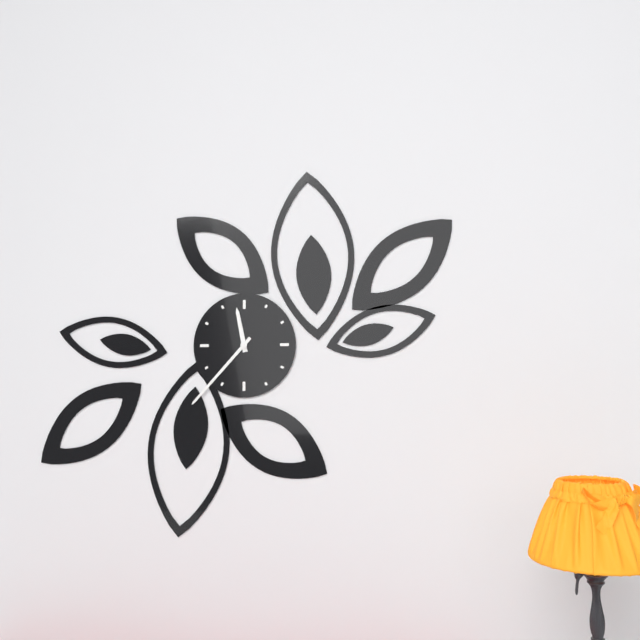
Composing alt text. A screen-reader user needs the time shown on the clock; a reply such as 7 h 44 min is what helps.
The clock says 11 h 37 min
